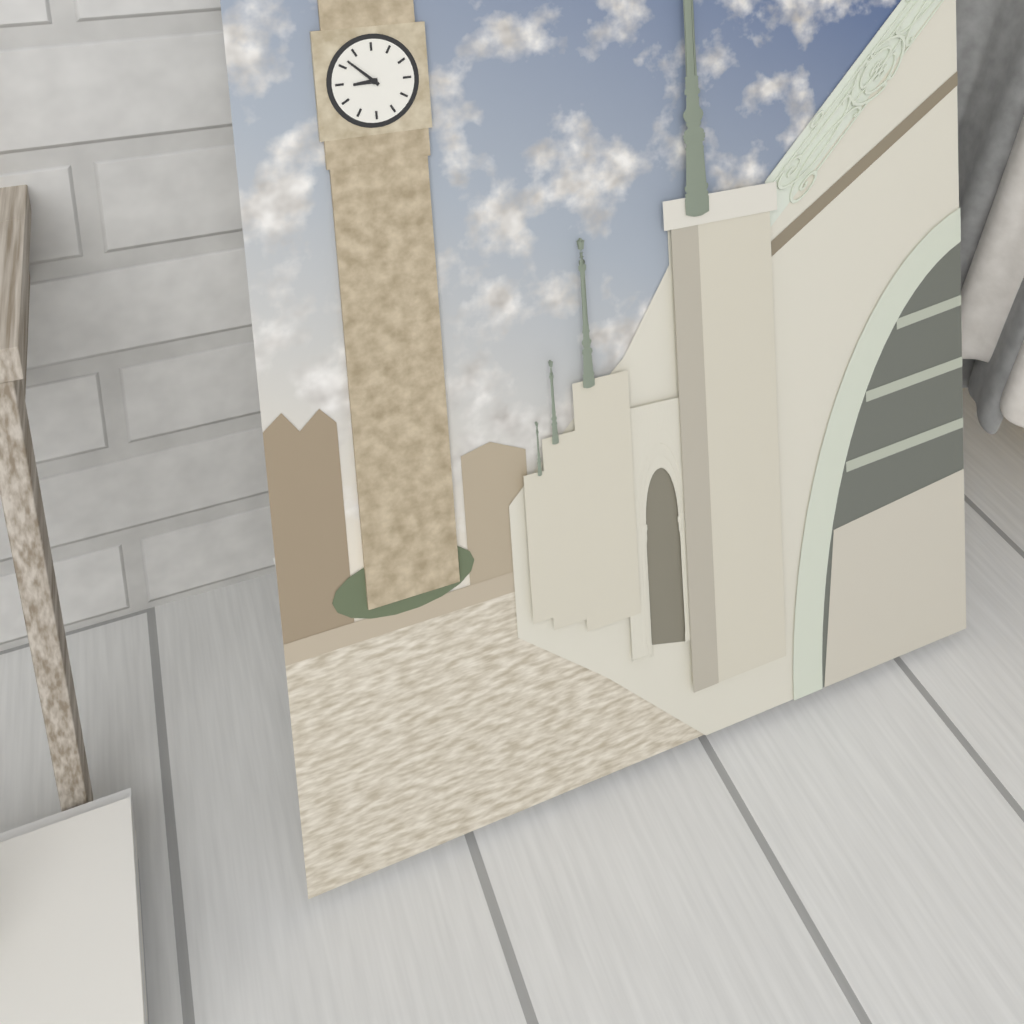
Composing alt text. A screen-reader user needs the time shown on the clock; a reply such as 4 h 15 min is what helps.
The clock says 8 h 52 min
